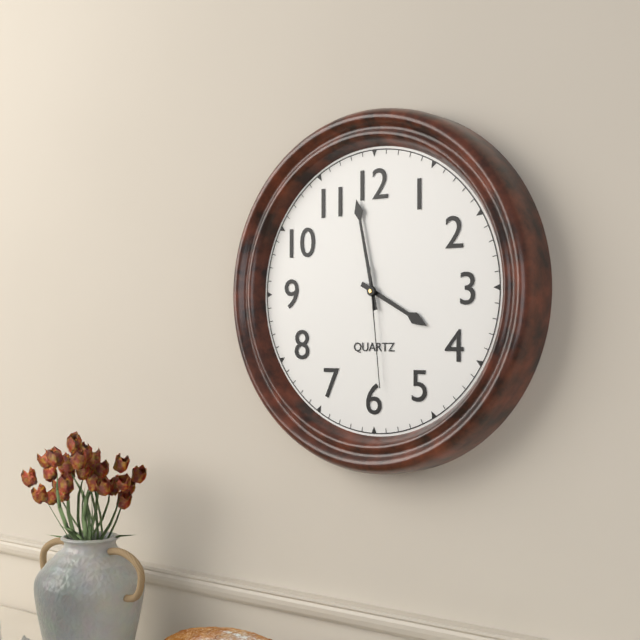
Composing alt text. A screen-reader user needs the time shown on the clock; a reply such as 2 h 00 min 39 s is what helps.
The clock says 3 h 58 min 29 s
